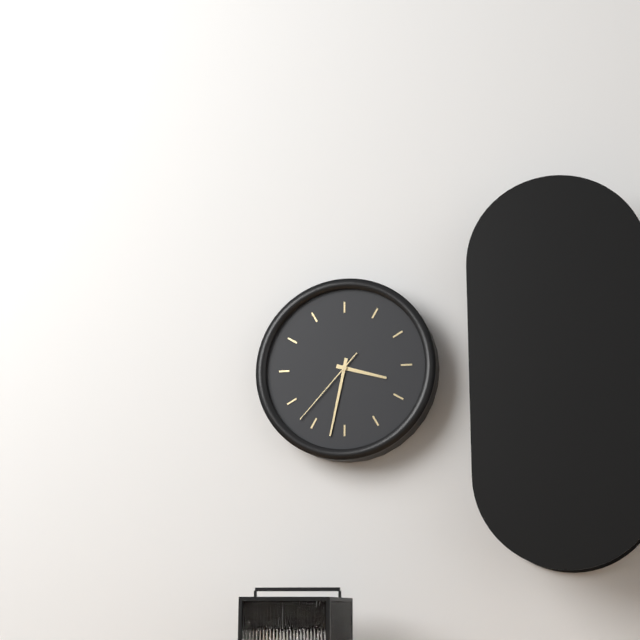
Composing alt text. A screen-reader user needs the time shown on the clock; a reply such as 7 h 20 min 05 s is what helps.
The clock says 3 h 32 min 37 s
